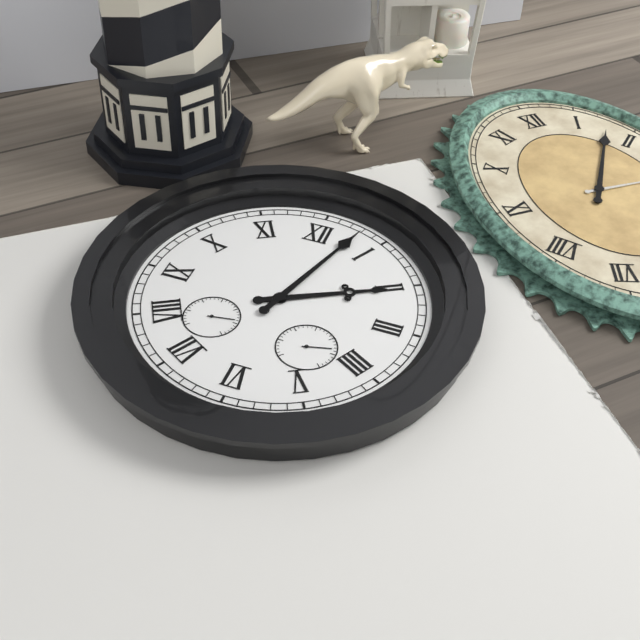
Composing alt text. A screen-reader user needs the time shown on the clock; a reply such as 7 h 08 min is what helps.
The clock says 2 h 03 min
